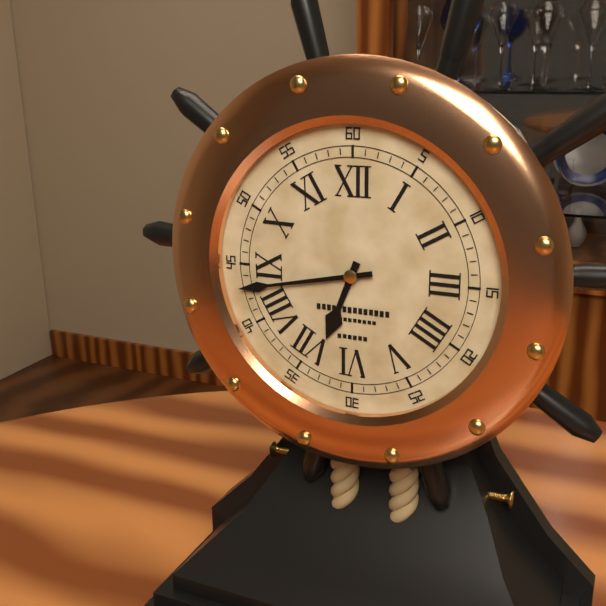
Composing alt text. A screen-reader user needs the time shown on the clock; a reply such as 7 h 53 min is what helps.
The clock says 6 h 43 min
